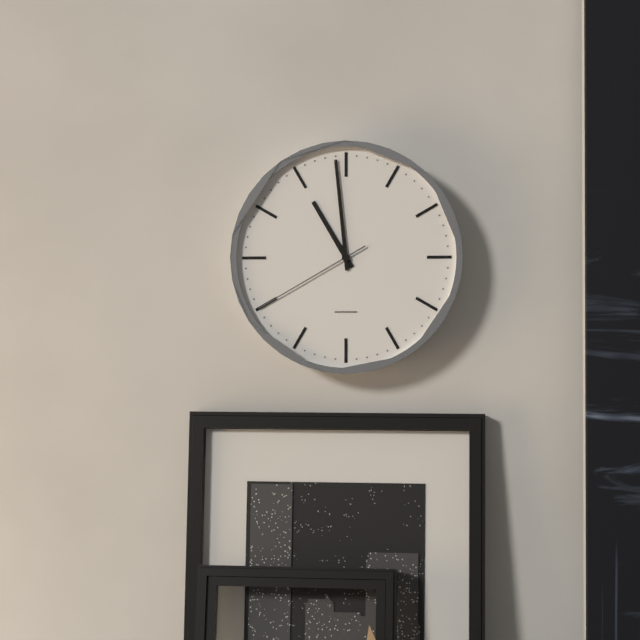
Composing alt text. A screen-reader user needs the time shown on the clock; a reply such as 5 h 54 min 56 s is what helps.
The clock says 10 h 59 min 40 s
